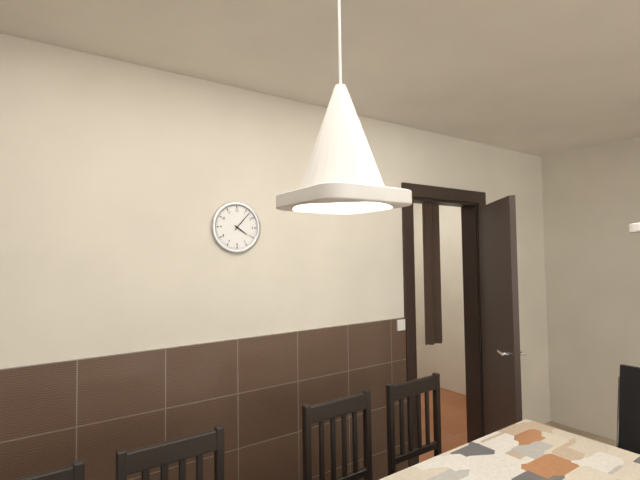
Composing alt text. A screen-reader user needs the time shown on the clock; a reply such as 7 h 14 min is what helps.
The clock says 4 h 07 min
